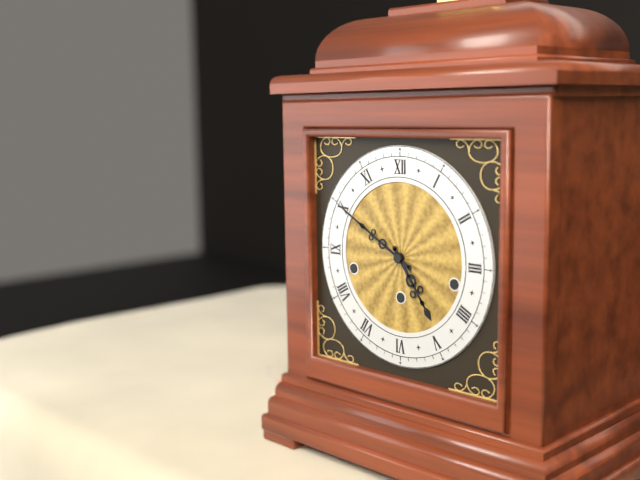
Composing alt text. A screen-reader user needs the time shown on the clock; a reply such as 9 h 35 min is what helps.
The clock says 4 h 50 min
